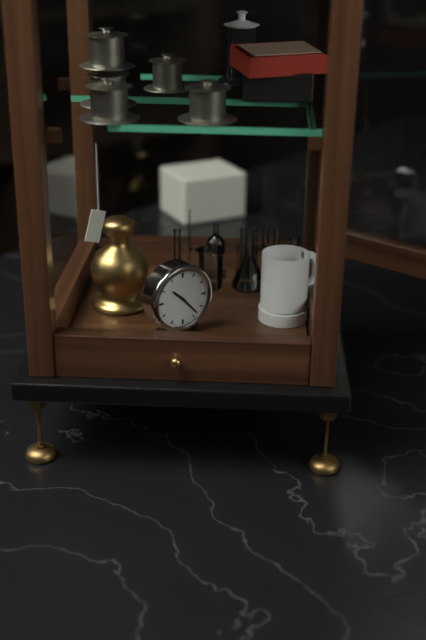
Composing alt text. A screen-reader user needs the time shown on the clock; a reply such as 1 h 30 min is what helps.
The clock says 10 h 23 min
